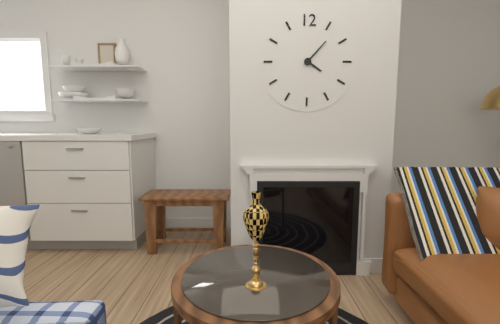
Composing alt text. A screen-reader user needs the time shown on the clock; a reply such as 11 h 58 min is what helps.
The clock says 4 h 07 min
